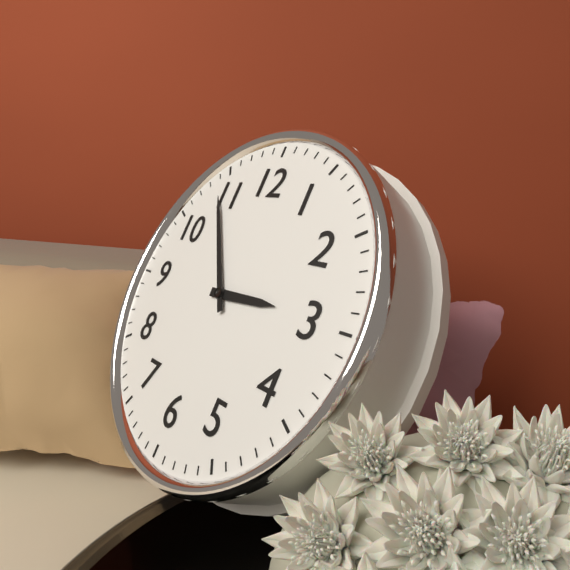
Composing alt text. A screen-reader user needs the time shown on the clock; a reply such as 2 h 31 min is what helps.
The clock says 2 h 54 min
